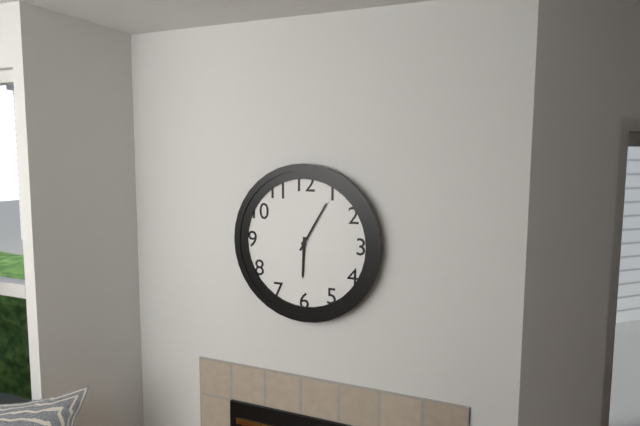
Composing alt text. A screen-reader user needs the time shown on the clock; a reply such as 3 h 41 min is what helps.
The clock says 6 h 05 min
